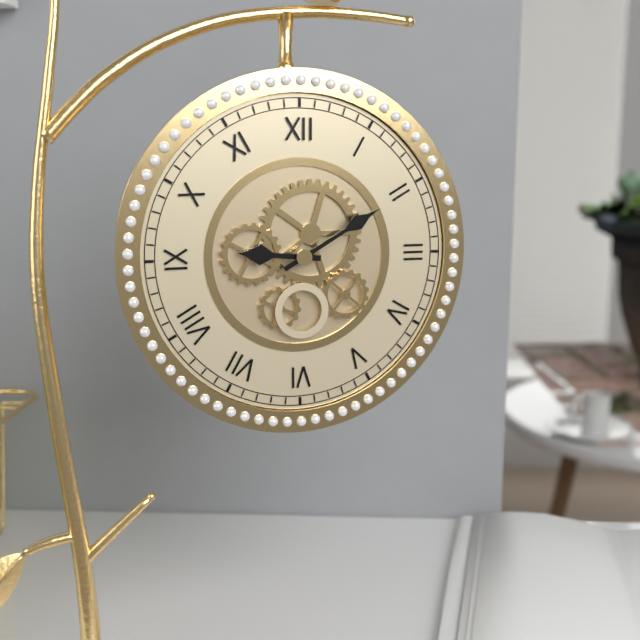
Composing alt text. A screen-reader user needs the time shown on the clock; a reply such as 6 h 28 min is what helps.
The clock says 9 h 10 min
